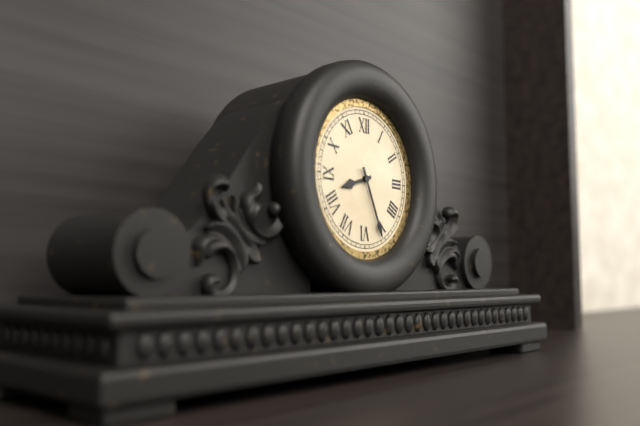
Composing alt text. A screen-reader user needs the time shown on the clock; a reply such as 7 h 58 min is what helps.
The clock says 8 h 26 min
